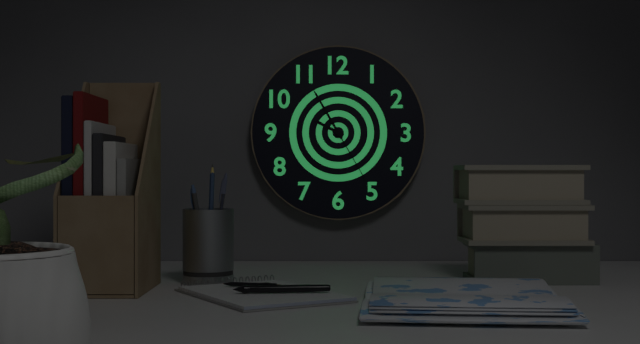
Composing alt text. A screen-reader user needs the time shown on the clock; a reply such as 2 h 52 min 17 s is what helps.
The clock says 9 h 55 min 25 s
